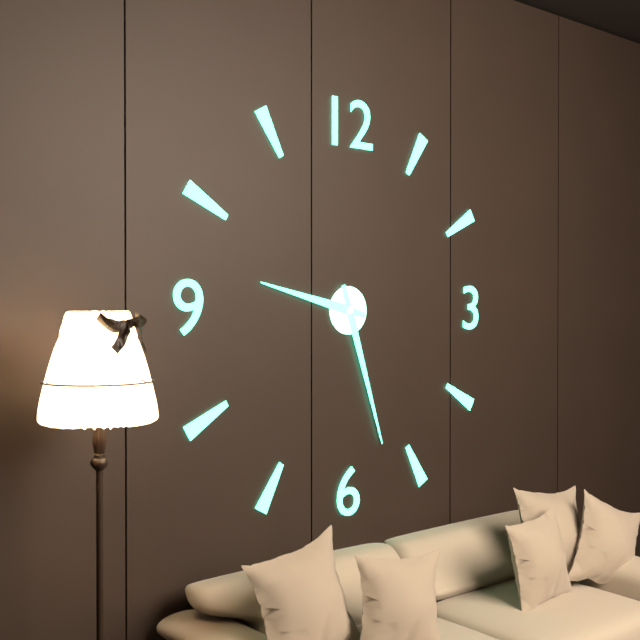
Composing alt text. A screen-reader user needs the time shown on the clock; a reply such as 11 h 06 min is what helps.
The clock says 9 h 27 min
